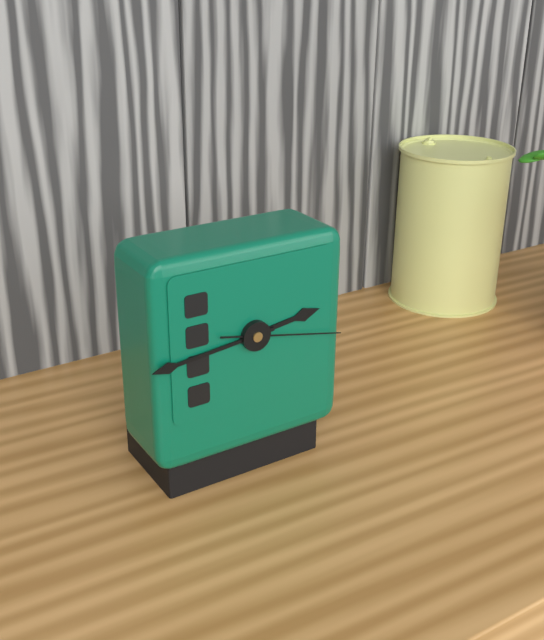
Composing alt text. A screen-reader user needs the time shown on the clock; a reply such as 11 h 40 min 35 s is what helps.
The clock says 2 h 44 min 17 s
